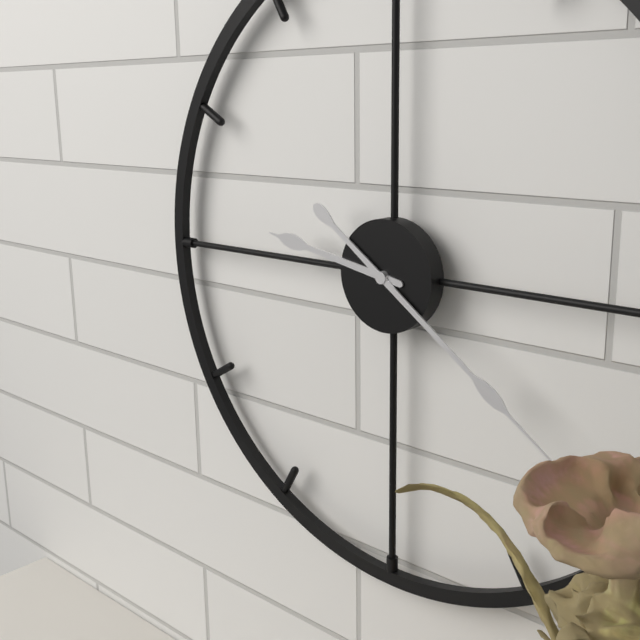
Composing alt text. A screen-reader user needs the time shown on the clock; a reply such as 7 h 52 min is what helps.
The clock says 9 h 21 min
